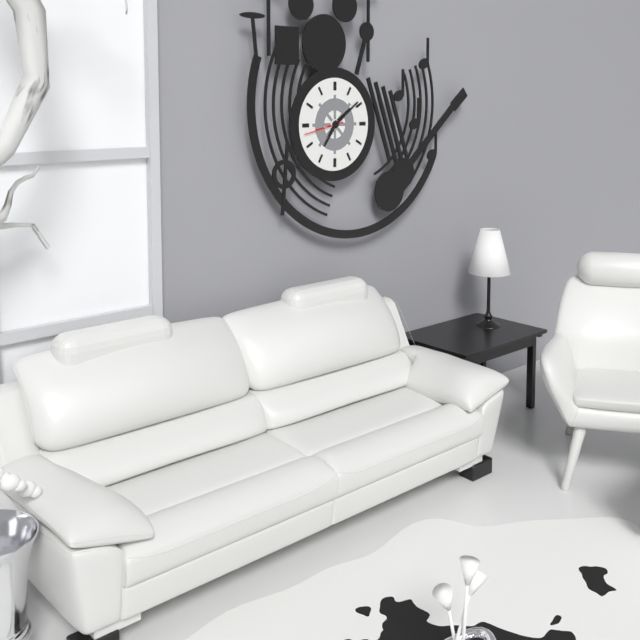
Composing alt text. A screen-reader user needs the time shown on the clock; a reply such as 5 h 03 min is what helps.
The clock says 7 h 09 min
